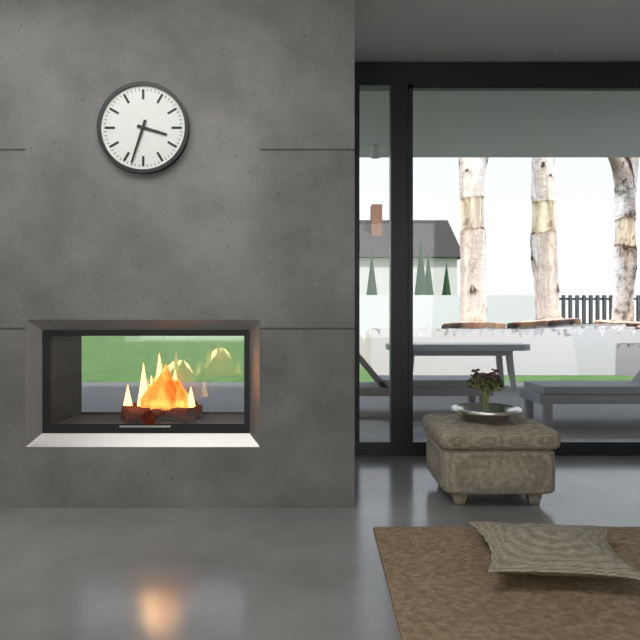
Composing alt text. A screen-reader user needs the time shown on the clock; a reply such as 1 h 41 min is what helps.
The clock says 3 h 33 min
